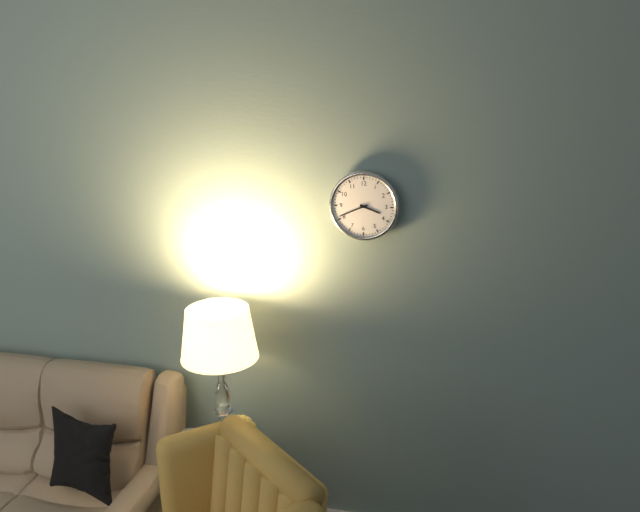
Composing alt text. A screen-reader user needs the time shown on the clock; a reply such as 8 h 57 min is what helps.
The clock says 3 h 41 min
